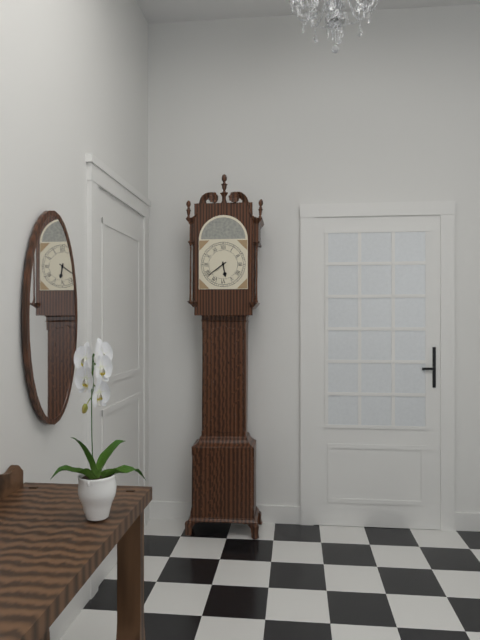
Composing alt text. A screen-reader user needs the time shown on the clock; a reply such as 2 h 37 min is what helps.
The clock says 5 h 39 min
